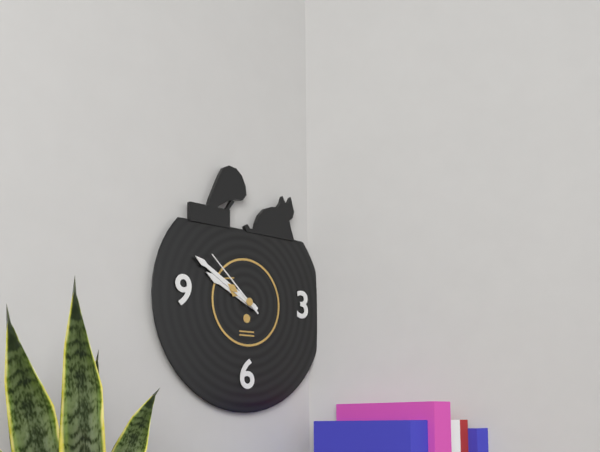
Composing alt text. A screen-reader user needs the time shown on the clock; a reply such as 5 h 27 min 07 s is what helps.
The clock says 9 h 50 min 52 s
